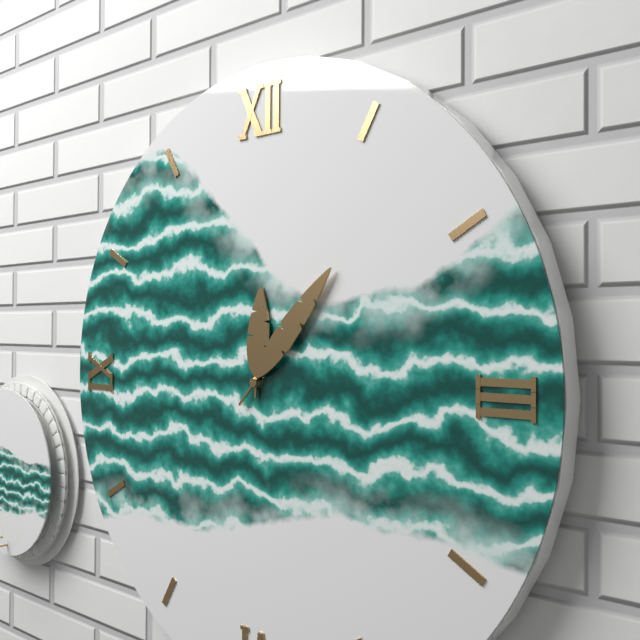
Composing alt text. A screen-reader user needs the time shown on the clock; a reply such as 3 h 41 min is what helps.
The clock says 12 h 07 min
